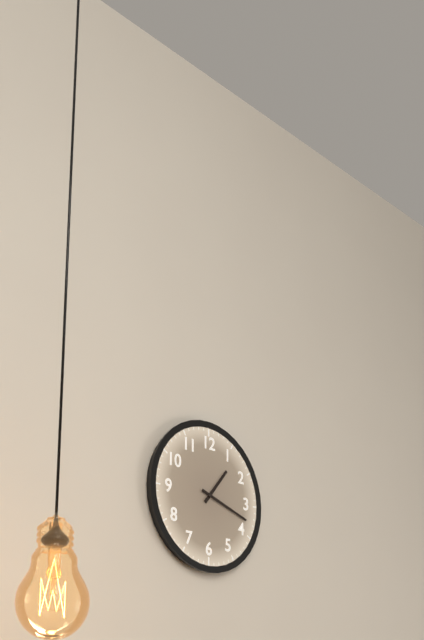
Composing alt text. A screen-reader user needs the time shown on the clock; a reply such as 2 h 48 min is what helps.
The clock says 1 h 18 min
